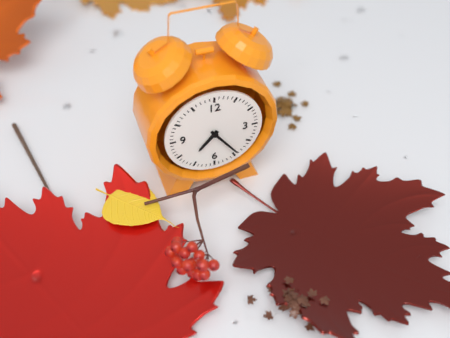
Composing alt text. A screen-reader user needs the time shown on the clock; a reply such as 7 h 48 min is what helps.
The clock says 7 h 24 min
